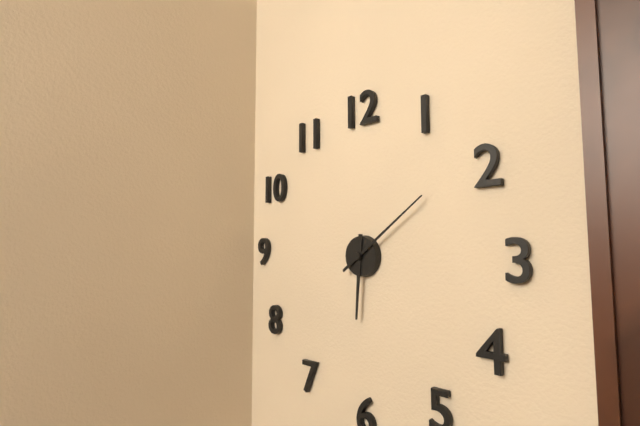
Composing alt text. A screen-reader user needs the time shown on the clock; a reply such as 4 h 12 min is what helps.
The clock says 6 h 09 min
